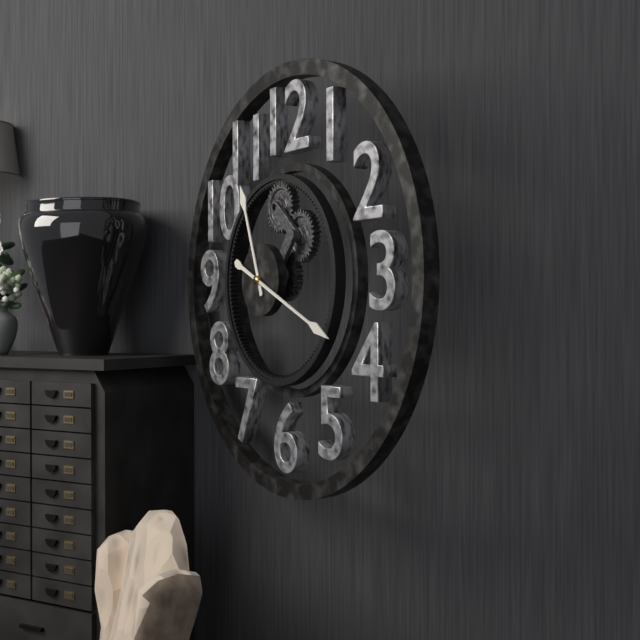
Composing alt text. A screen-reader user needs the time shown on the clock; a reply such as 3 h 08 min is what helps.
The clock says 11 h 19 min
